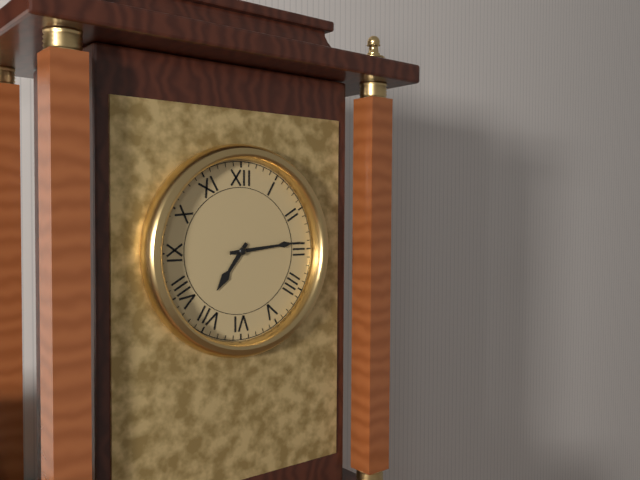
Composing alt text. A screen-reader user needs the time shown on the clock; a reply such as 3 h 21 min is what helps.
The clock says 7 h 14 min
